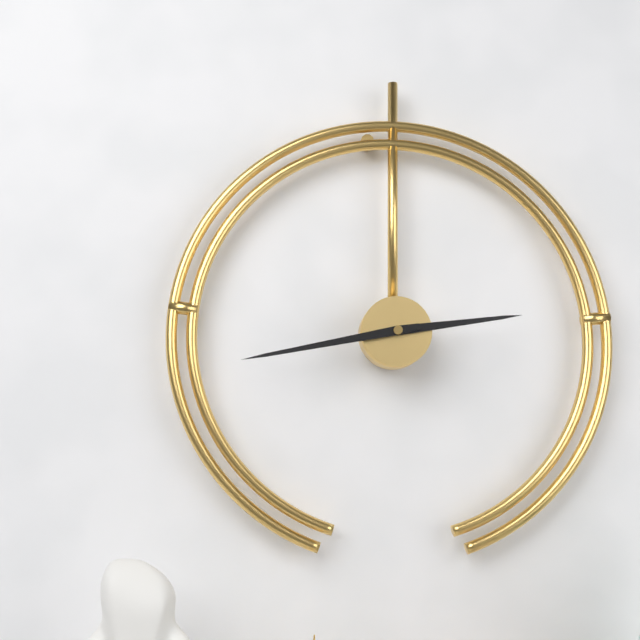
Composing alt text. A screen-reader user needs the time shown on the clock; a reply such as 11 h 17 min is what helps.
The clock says 2 h 43 min
